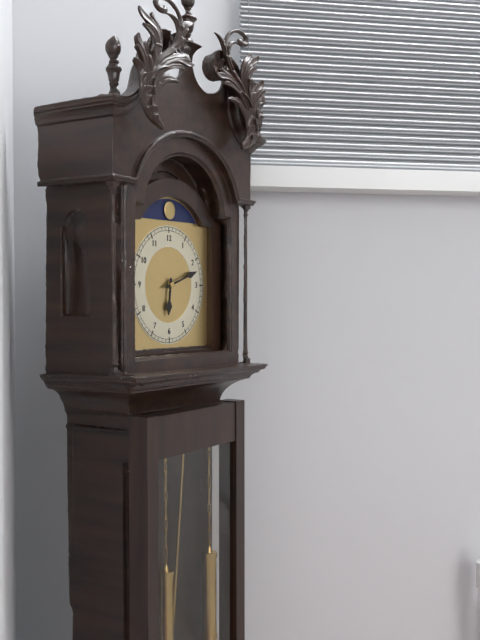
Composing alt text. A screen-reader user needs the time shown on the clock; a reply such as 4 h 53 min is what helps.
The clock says 6 h 12 min
